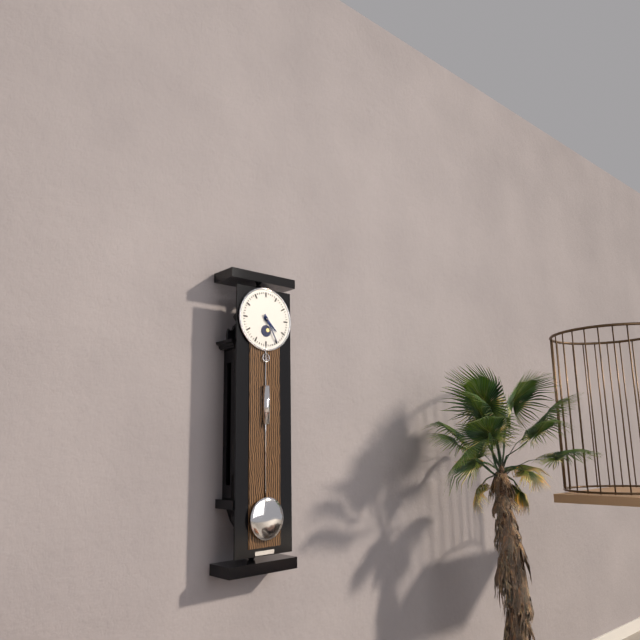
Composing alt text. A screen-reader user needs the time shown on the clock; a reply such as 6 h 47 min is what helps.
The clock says 4 h 25 min
